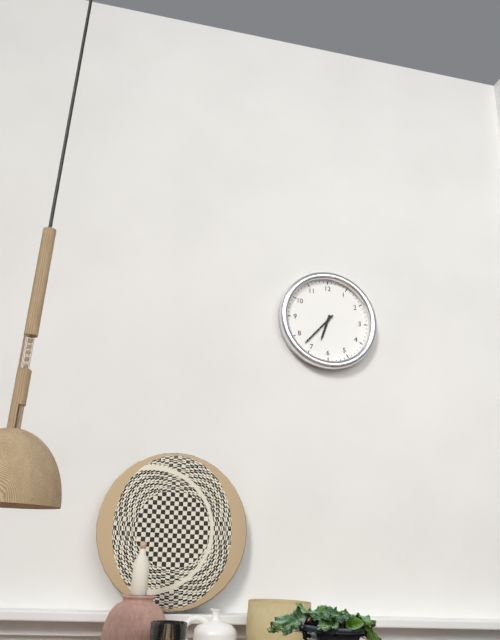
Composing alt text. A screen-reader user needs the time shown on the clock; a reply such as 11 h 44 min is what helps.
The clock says 6 h 37 min
